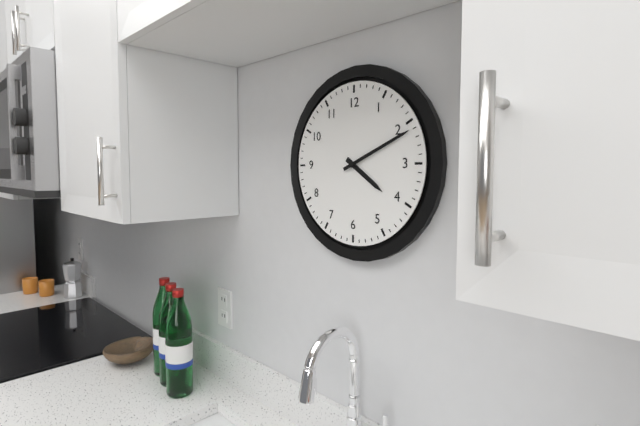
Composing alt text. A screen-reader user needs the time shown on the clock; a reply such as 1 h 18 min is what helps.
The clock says 4 h 11 min
